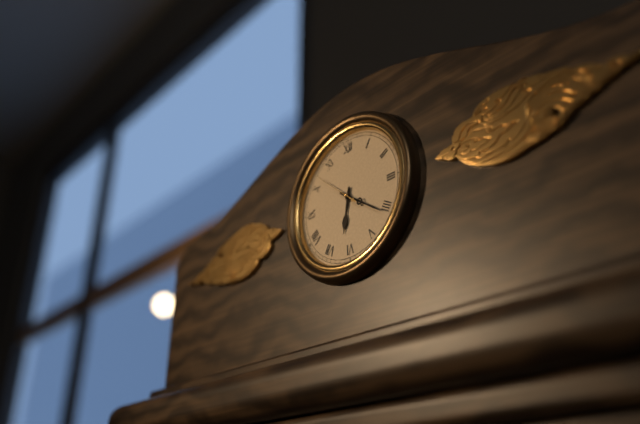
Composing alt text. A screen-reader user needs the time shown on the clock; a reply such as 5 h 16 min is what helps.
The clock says 6 h 21 min
